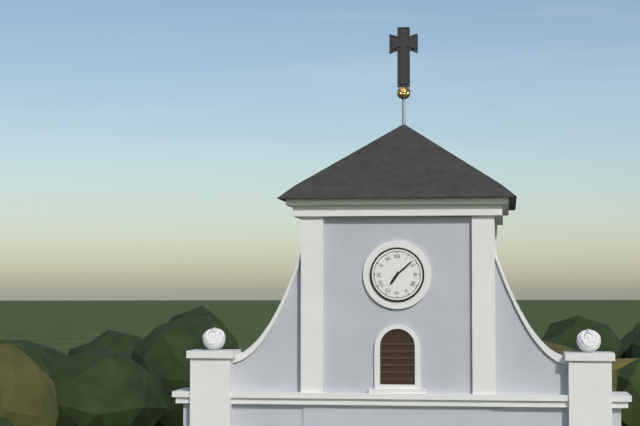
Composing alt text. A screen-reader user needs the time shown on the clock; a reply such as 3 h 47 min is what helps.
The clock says 7 h 08 min
